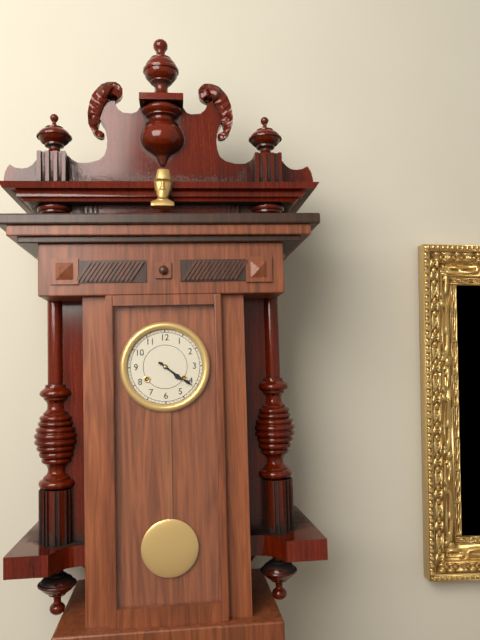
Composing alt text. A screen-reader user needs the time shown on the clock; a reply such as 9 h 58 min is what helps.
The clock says 4 h 21 min
